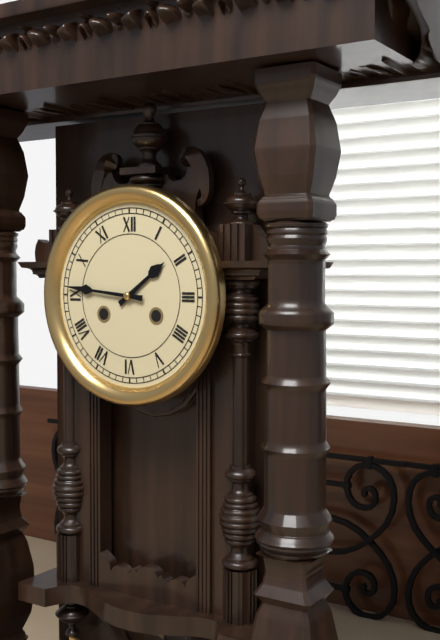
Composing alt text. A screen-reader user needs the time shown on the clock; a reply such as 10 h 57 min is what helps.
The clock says 1 h 46 min
